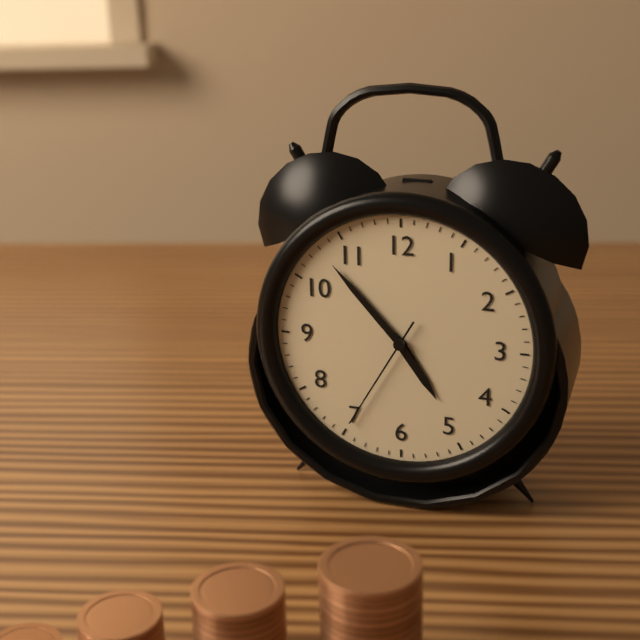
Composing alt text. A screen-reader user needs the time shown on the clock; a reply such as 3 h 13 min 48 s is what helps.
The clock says 4 h 53 min 35 s
